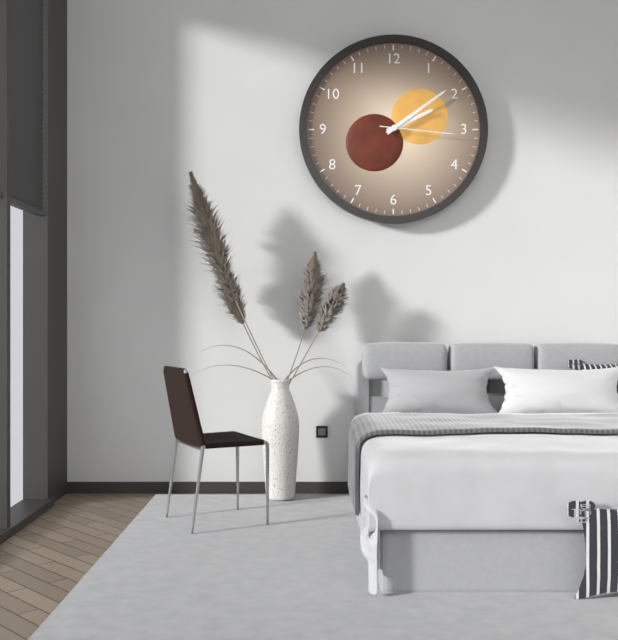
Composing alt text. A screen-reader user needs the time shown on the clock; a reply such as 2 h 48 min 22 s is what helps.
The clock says 2 h 09 min 16 s
